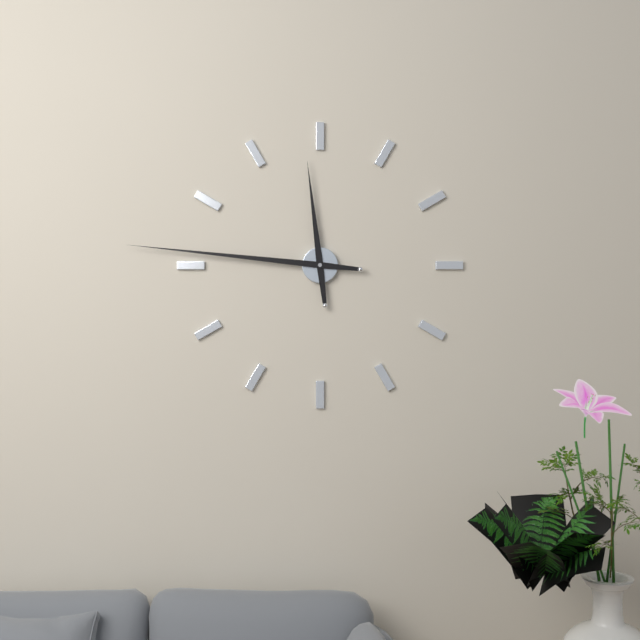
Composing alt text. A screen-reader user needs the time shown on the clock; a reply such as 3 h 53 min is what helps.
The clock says 11 h 46 min
